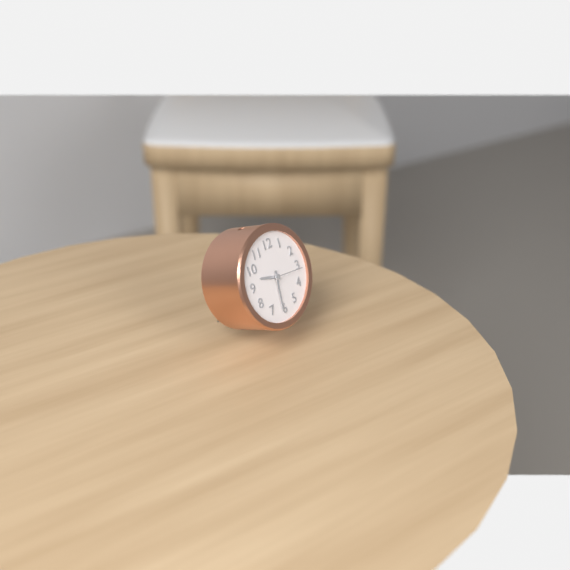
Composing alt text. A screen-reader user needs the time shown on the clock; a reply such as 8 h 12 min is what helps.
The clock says 9 h 31 min
